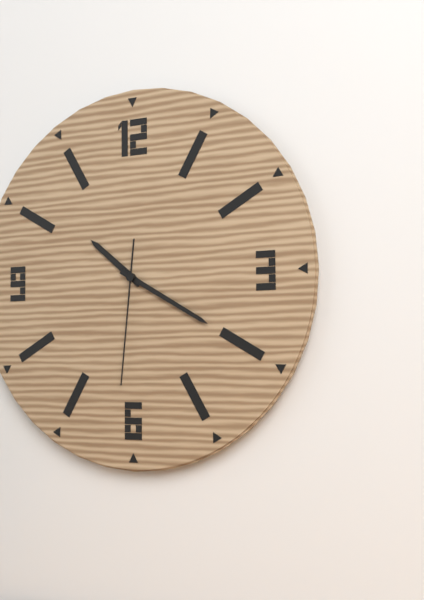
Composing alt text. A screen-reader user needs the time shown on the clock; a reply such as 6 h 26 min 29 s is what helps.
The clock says 10 h 20 min 31 s
